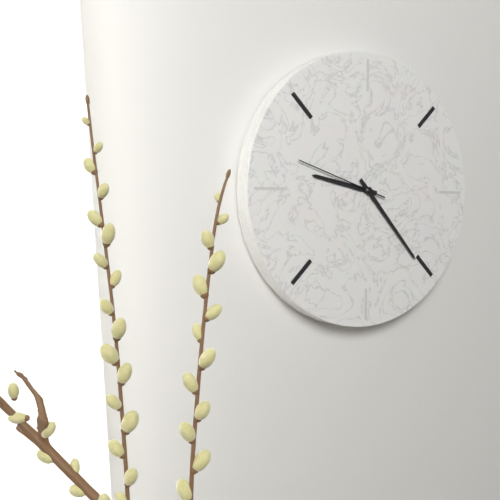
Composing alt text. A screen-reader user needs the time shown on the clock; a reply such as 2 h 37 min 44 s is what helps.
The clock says 9 h 23 min 48 s
